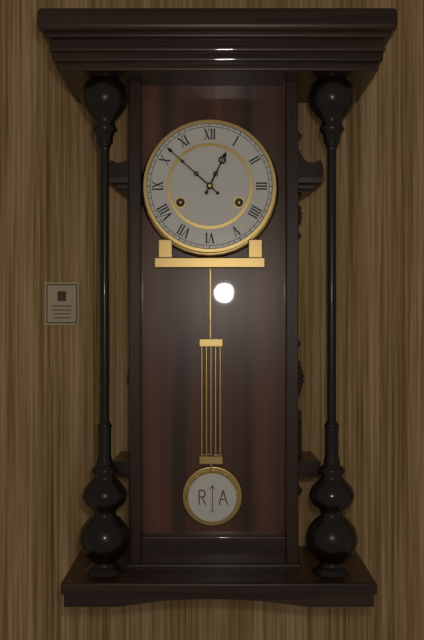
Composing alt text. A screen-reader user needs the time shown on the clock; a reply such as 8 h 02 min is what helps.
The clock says 12 h 52 min
